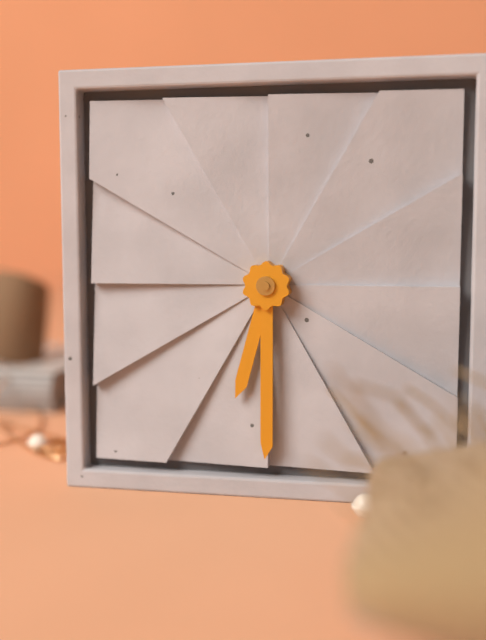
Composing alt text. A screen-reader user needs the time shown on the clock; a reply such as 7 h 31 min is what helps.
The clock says 6 h 30 min
